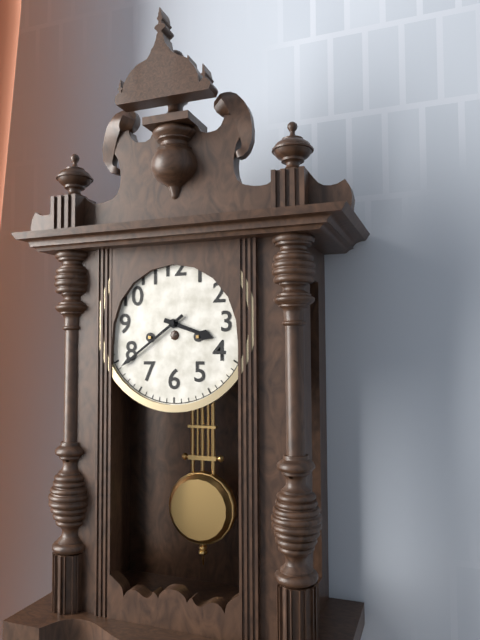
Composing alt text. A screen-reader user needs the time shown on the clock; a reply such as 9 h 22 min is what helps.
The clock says 3 h 39 min
